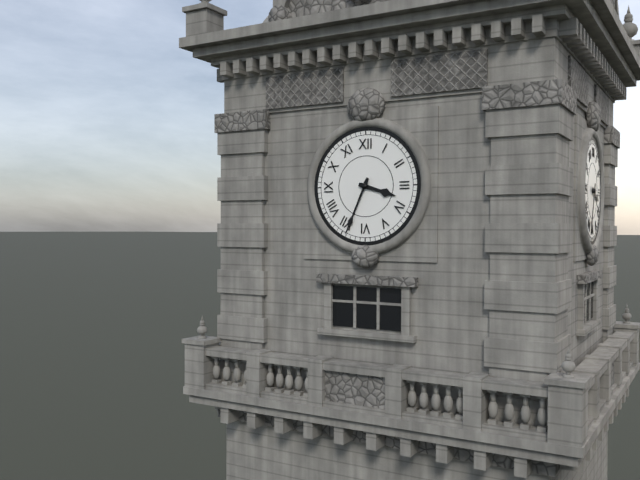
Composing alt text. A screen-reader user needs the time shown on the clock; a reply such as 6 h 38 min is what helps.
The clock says 3 h 34 min
